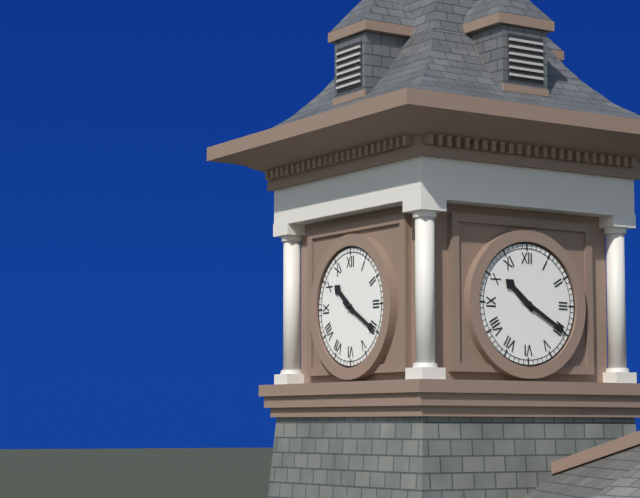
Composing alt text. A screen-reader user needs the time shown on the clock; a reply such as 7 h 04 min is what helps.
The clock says 10 h 20 min
